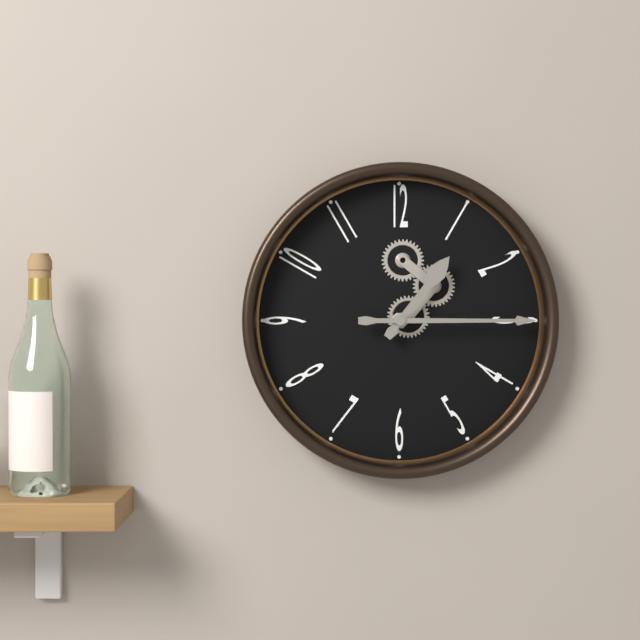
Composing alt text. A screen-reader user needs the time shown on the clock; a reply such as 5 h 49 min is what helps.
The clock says 1 h 15 min
